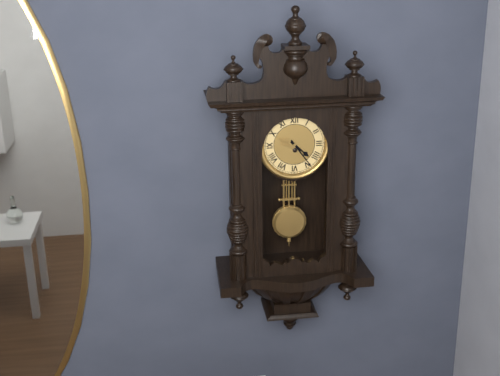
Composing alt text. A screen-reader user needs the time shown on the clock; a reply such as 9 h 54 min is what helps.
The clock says 4 h 24 min
